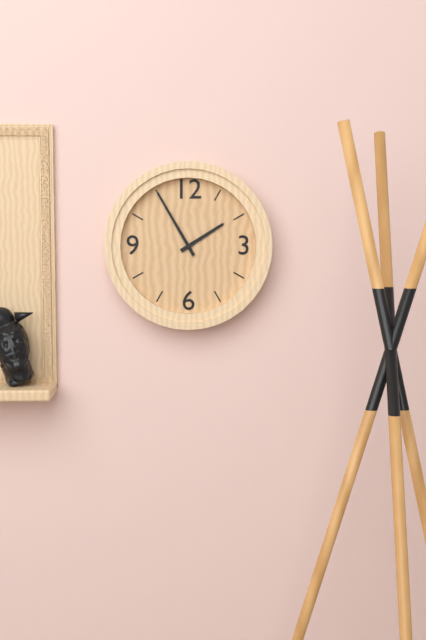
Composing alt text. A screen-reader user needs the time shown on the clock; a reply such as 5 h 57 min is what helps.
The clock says 1 h 55 min
